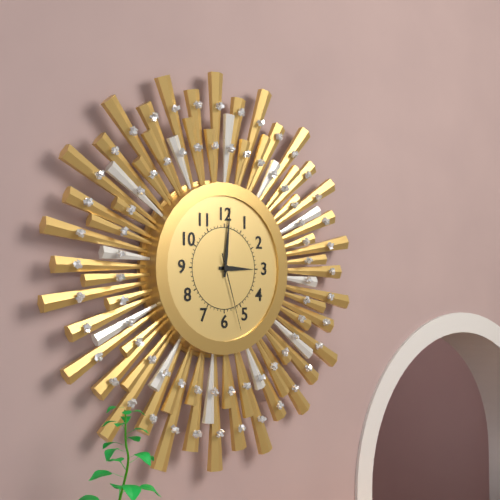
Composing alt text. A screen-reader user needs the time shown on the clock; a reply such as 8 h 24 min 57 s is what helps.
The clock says 3 h 01 min 27 s
